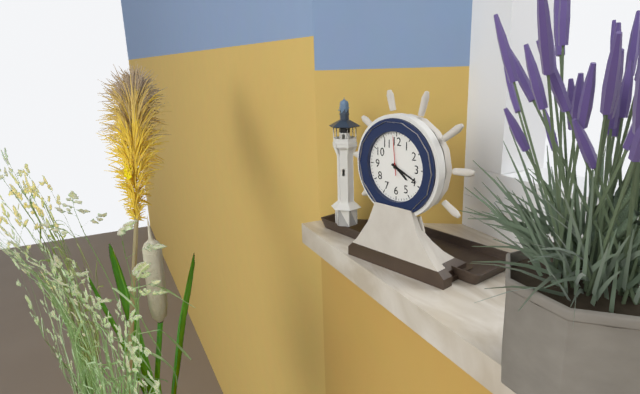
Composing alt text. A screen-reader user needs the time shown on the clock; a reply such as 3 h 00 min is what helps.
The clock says 4 h 19 min
